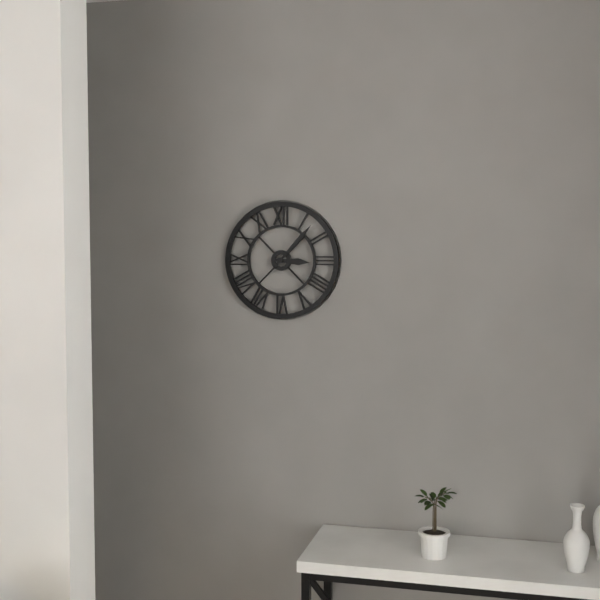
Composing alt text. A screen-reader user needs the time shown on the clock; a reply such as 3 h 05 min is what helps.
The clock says 3 h 07 min
